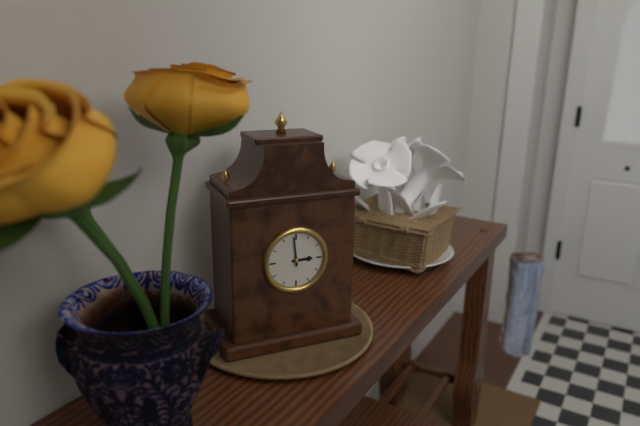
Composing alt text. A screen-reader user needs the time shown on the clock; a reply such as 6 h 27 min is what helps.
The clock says 2 h 59 min
